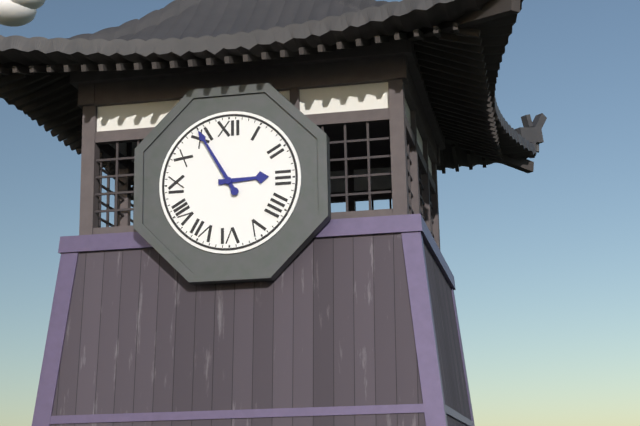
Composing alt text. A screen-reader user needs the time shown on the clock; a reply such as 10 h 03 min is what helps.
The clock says 2 h 55 min
